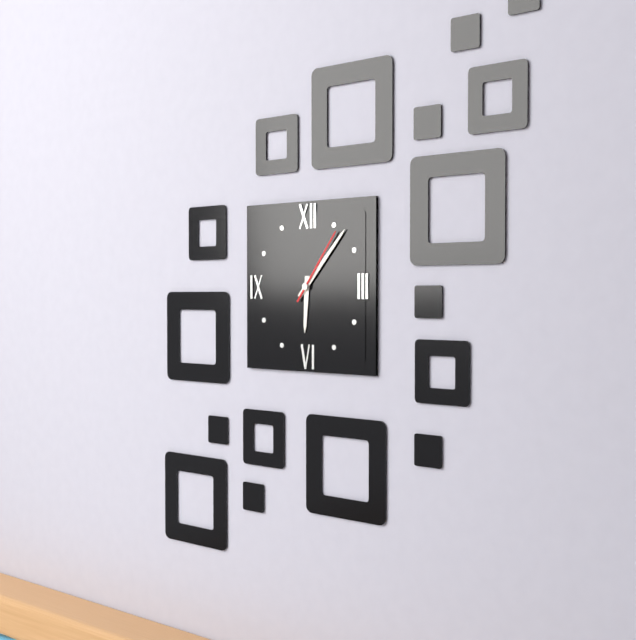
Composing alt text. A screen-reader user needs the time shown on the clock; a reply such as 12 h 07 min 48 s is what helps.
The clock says 6 h 07 min 06 s
